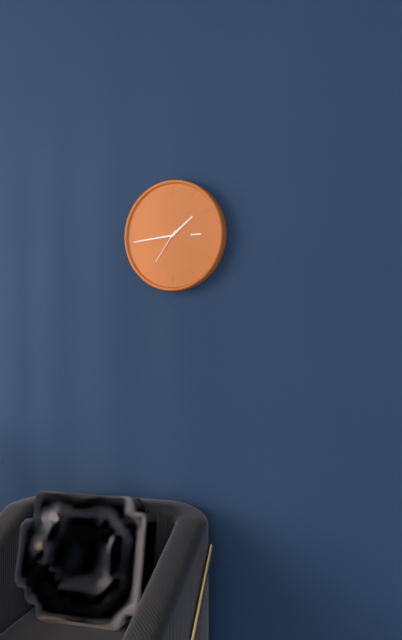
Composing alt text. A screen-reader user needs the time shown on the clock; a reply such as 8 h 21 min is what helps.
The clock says 1 h 44 min
